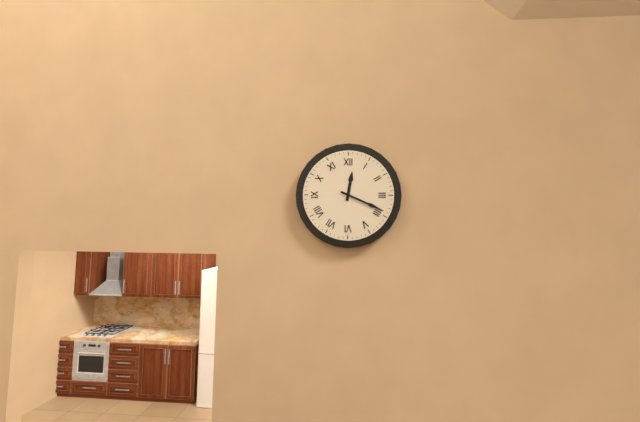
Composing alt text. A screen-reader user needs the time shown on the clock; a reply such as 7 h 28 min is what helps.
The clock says 12 h 19 min
